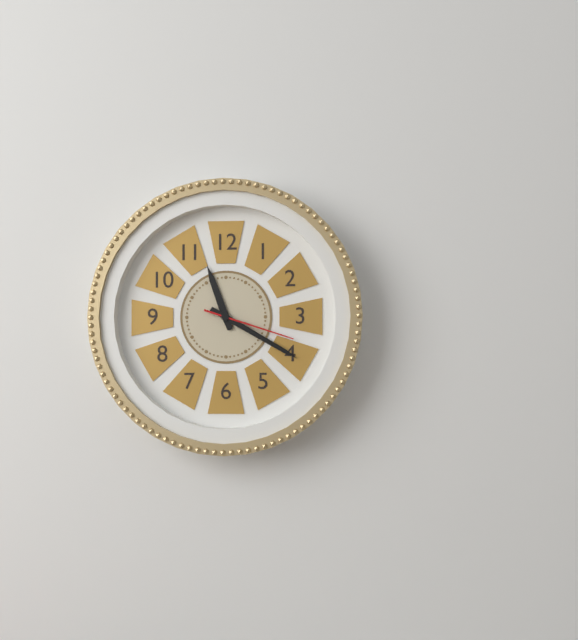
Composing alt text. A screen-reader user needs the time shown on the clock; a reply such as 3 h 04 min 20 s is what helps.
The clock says 11 h 20 min 18 s
